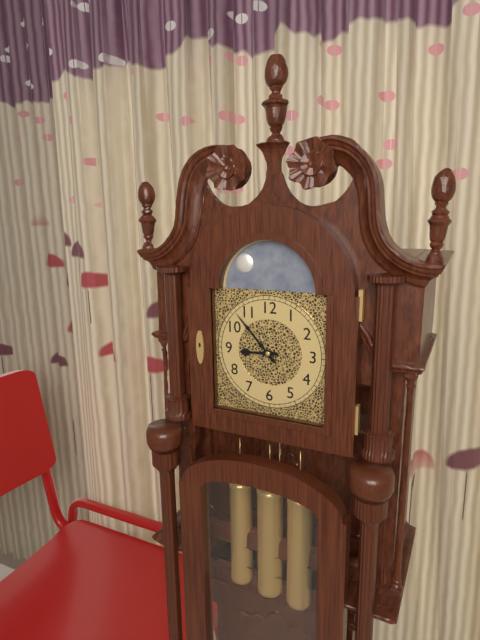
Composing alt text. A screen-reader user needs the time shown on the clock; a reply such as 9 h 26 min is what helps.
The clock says 8 h 53 min
